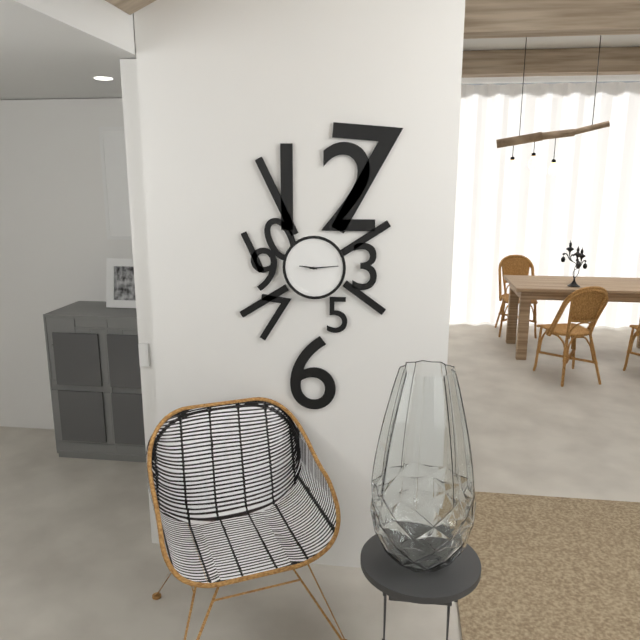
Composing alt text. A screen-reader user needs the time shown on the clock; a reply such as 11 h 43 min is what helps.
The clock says 9 h 14 min
